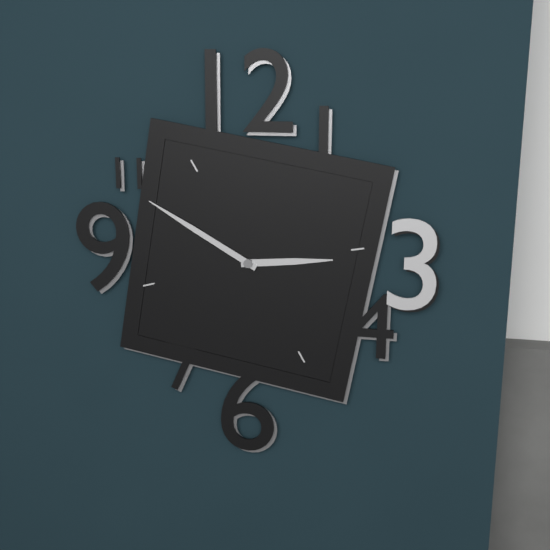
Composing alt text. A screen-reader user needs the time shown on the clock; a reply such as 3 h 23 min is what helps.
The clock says 2 h 50 min
